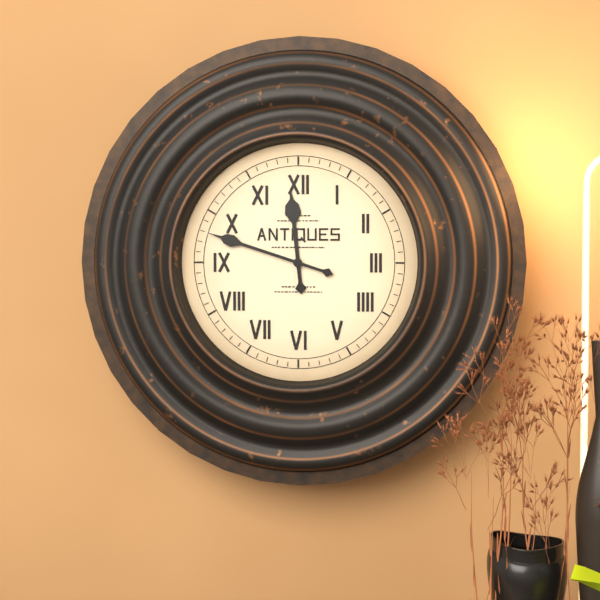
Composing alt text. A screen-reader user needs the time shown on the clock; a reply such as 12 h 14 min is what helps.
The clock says 11 h 48 min
